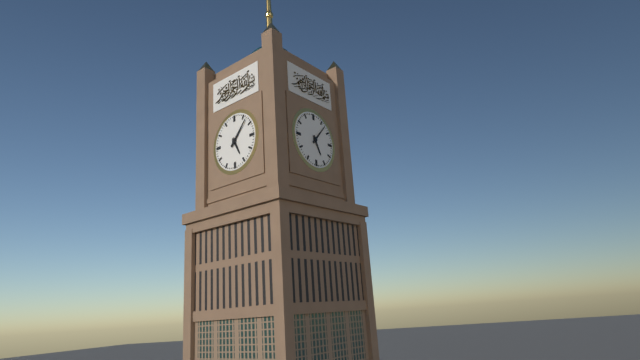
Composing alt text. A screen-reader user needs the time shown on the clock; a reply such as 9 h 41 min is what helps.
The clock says 5 h 07 min
